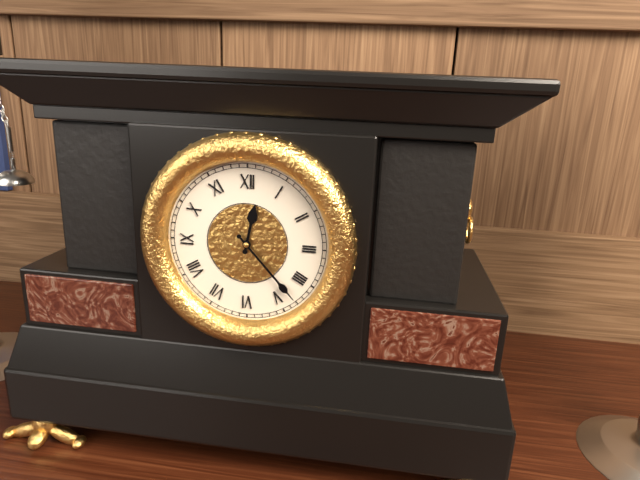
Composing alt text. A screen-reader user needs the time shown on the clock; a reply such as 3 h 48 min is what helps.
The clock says 12 h 23 min
